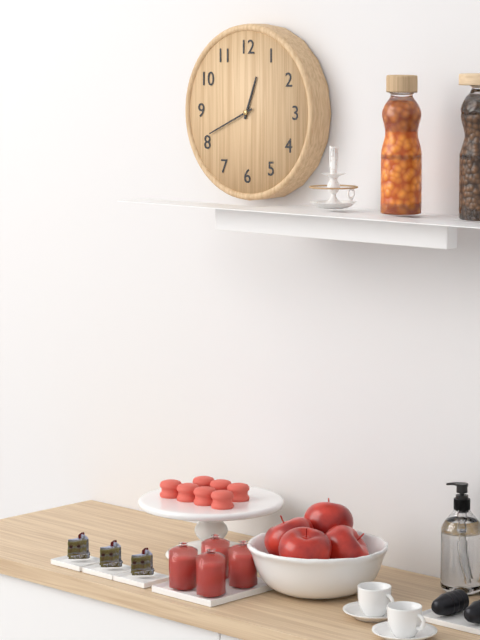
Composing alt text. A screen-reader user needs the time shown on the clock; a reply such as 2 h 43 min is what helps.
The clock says 12 h 41 min
